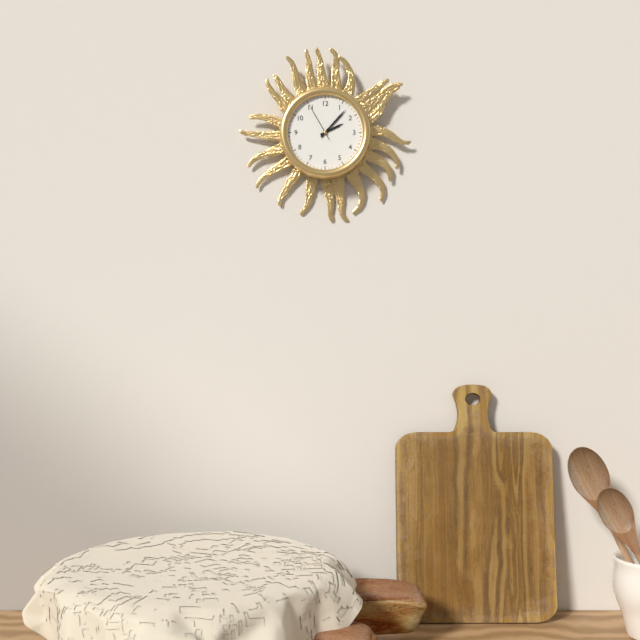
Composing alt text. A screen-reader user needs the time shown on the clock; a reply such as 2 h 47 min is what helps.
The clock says 2 h 07 min
